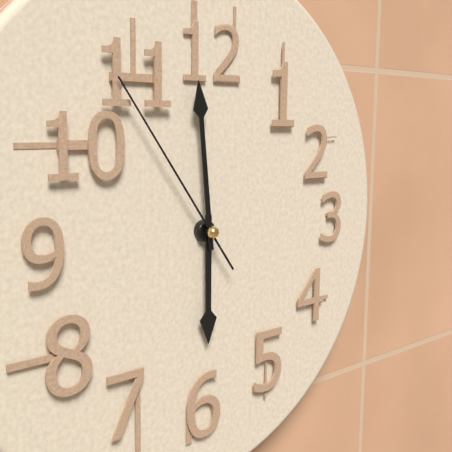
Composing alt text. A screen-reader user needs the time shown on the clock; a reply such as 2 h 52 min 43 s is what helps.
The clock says 5 h 59 min 54 s
